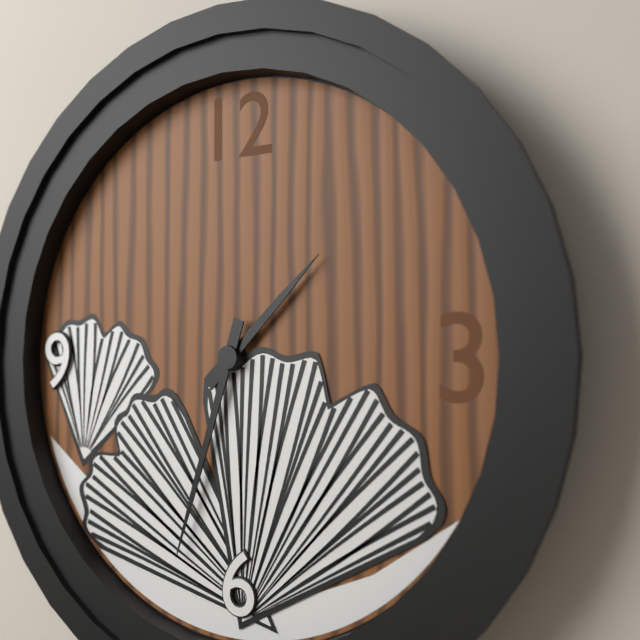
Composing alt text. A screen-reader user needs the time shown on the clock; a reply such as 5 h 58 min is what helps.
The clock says 1 h 33 min
